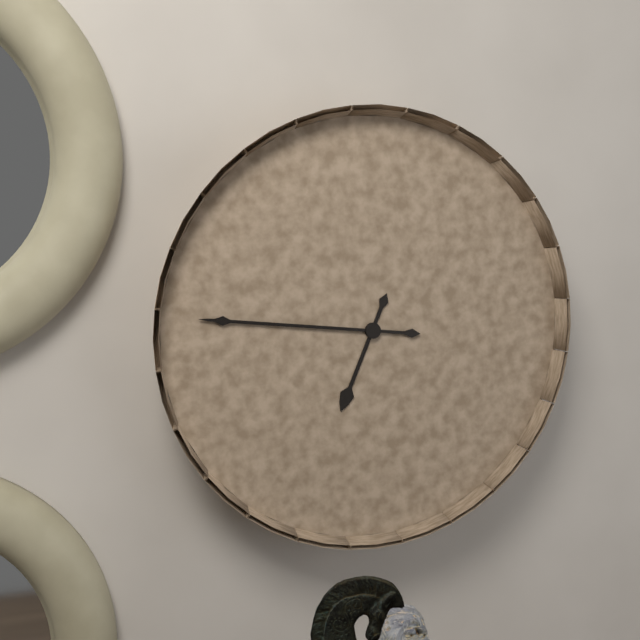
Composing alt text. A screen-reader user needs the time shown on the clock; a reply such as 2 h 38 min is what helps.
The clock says 6 h 46 min
